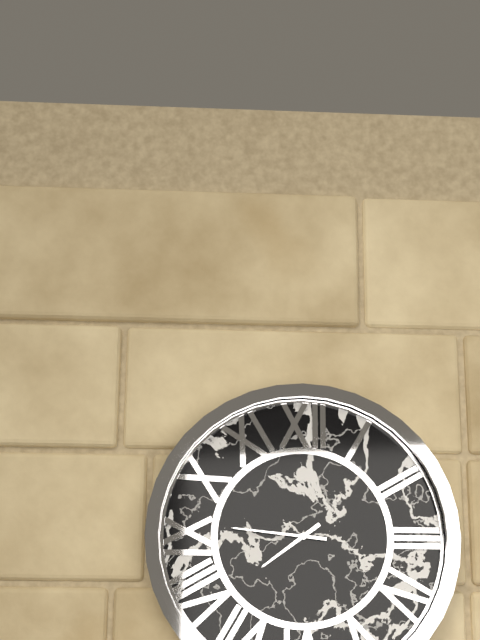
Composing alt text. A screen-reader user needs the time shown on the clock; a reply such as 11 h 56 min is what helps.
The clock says 7 h 46 min
